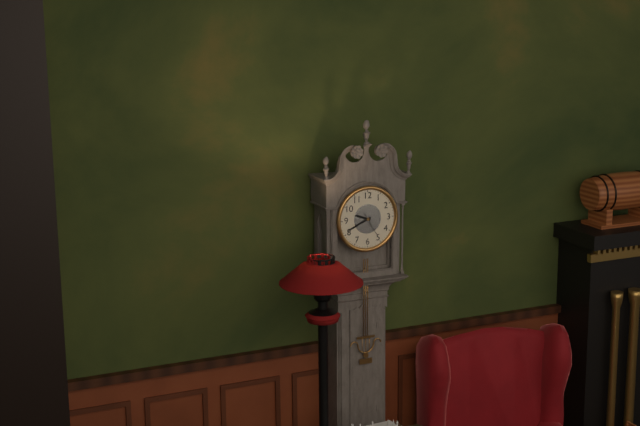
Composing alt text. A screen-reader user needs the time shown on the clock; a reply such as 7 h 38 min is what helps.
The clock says 9 h 41 min
